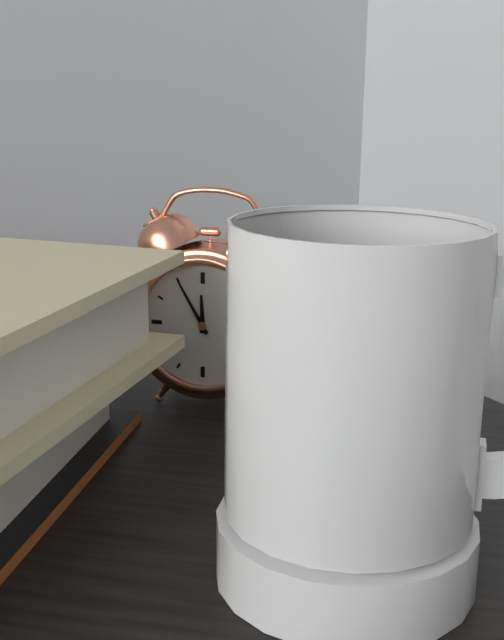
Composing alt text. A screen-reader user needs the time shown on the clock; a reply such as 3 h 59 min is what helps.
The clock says 11 h 55 min
